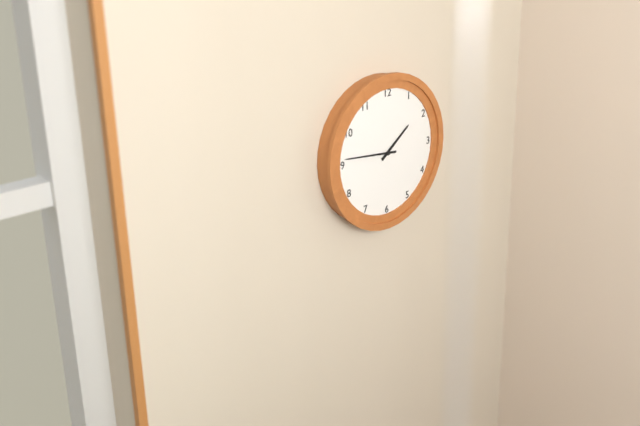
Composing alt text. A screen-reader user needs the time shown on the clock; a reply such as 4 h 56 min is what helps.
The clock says 1 h 46 min
